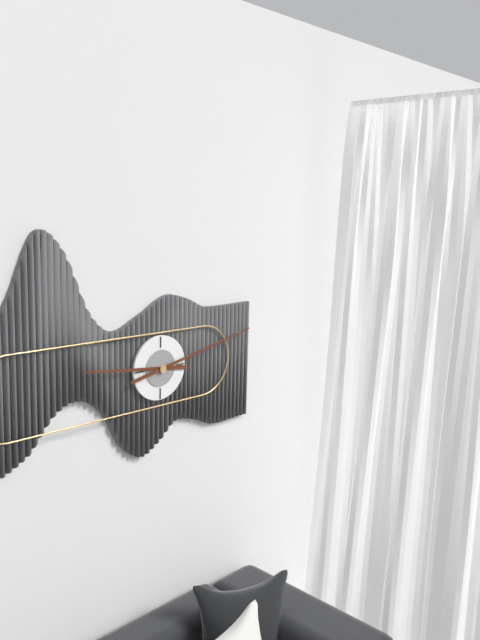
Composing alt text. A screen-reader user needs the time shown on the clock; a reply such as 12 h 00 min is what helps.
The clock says 9 h 13 min
